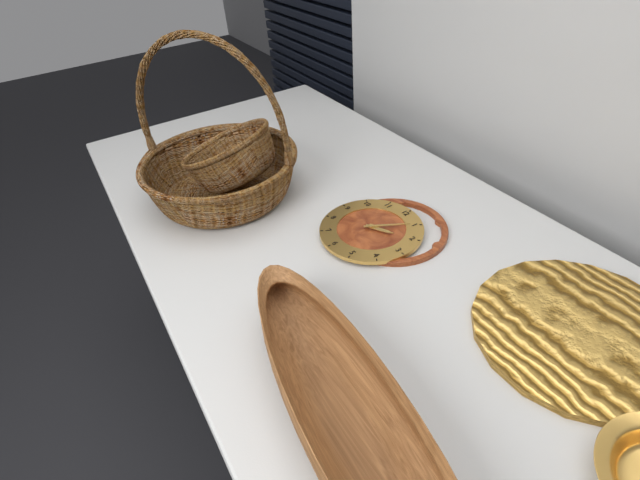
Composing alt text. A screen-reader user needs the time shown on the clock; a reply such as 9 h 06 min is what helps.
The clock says 2 h 05 min
